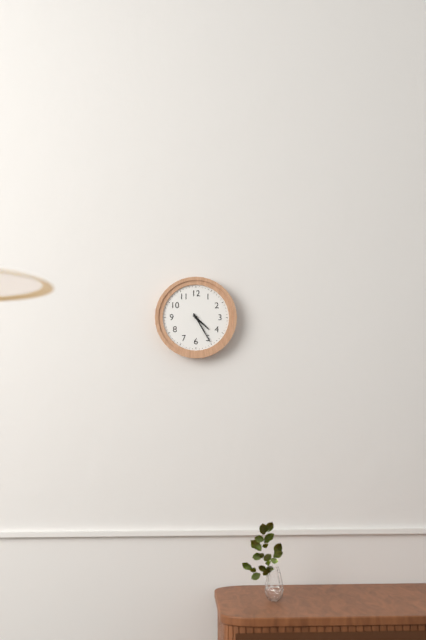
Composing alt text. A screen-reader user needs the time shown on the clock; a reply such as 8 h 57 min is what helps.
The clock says 4 h 25 min
